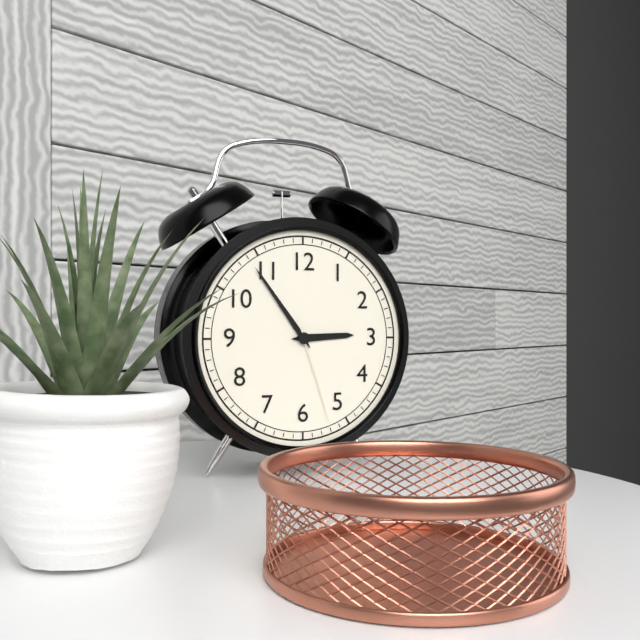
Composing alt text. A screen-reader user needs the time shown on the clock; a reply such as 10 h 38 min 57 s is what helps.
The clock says 2 h 54 min 27 s
